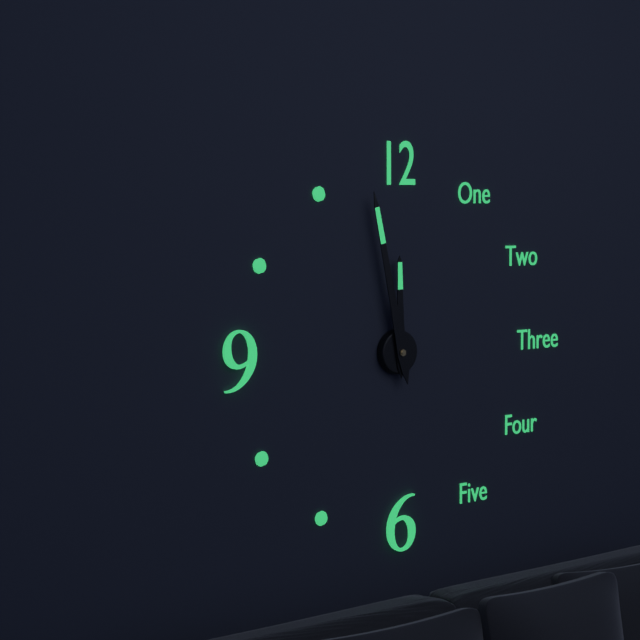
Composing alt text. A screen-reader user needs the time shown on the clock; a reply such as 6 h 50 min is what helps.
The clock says 11 h 58 min
